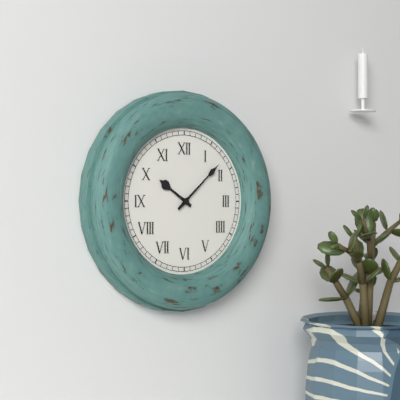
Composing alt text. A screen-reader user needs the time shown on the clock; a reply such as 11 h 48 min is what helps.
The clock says 10 h 08 min
